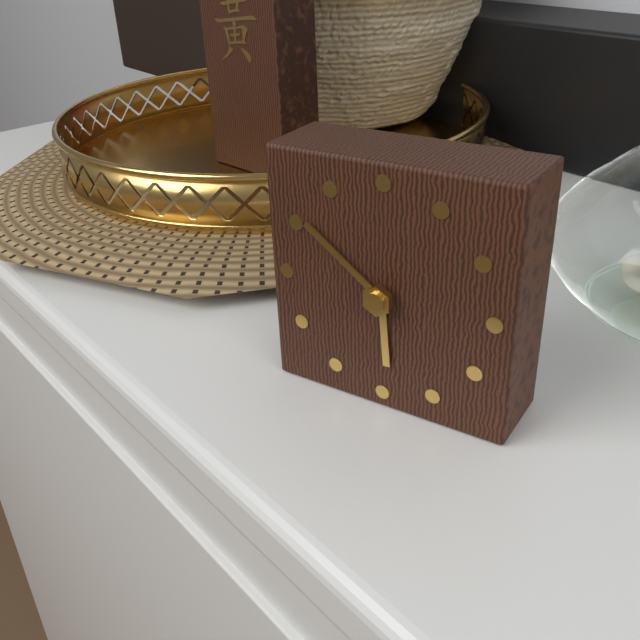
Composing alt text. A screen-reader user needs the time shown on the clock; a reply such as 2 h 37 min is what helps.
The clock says 5 h 51 min
